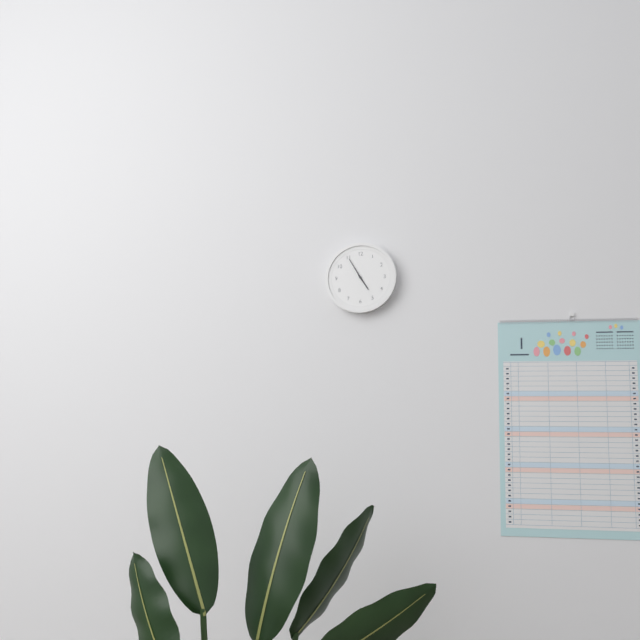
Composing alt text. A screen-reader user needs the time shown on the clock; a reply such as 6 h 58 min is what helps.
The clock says 4 h 55 min
